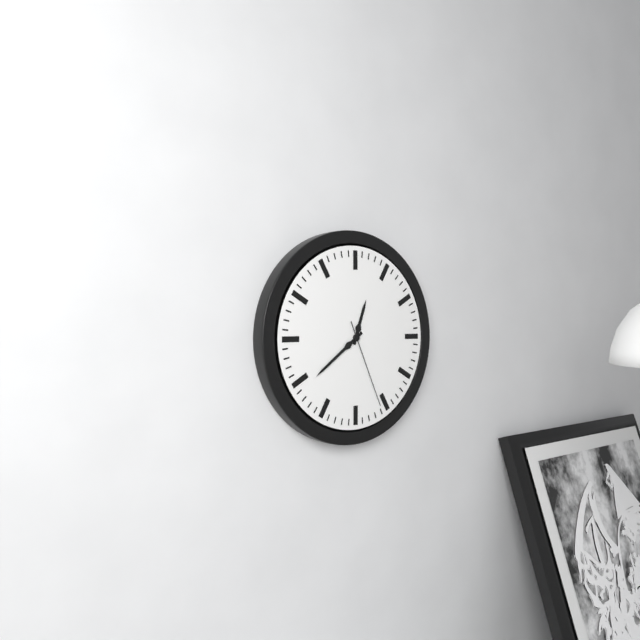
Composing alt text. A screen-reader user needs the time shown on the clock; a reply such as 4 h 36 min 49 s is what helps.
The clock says 12 h 39 min 26 s
